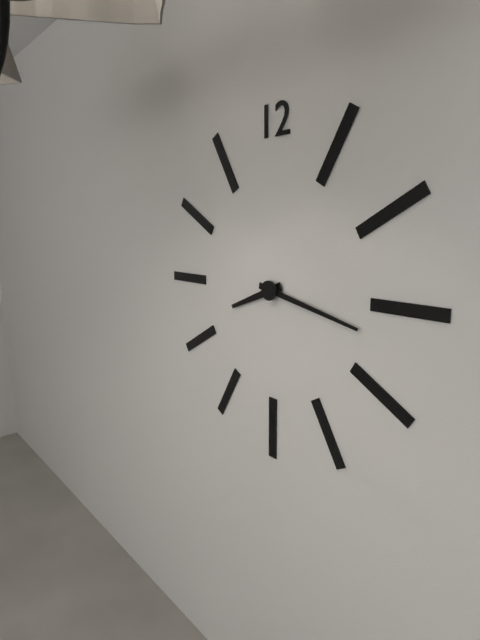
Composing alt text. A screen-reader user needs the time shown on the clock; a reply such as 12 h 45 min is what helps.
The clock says 8 h 17 min
